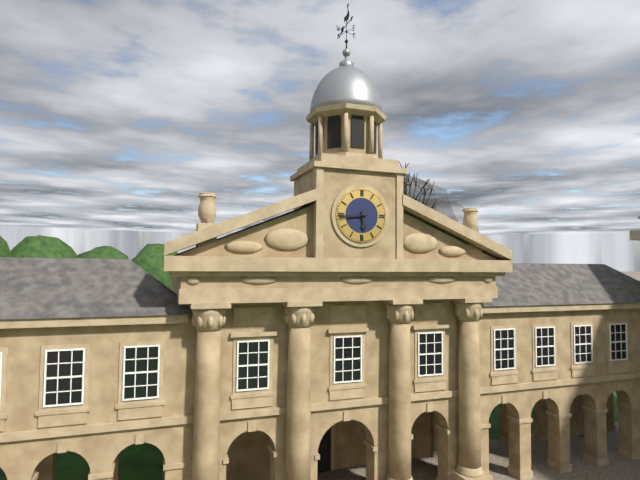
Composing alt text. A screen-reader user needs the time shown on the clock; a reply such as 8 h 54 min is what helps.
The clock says 5 h 44 min
